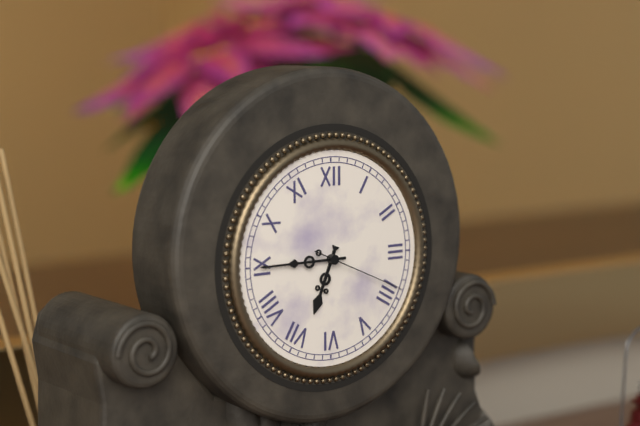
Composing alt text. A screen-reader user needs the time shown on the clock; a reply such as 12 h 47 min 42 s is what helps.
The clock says 6 h 45 min 19 s
